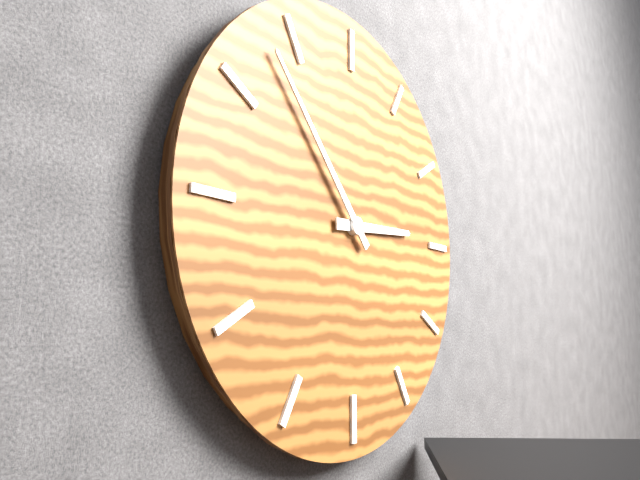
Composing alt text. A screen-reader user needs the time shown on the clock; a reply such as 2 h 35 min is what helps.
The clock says 2 h 53 min
